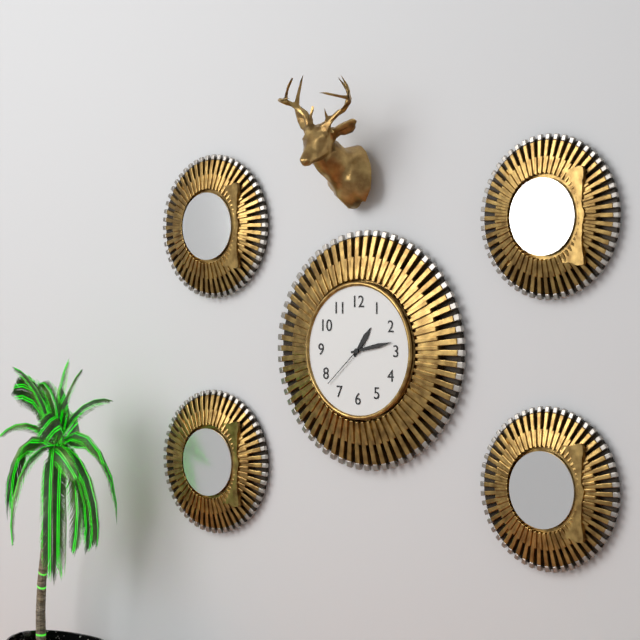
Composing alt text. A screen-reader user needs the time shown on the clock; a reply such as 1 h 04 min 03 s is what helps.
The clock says 1 h 13 min 38 s
